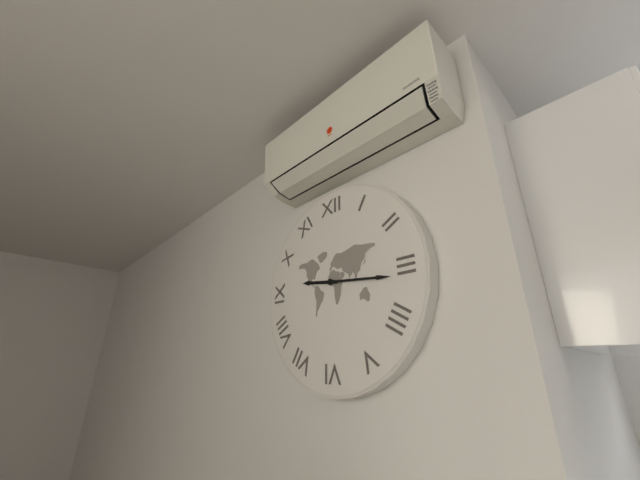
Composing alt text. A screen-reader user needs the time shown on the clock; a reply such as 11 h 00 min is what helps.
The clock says 9 h 16 min
